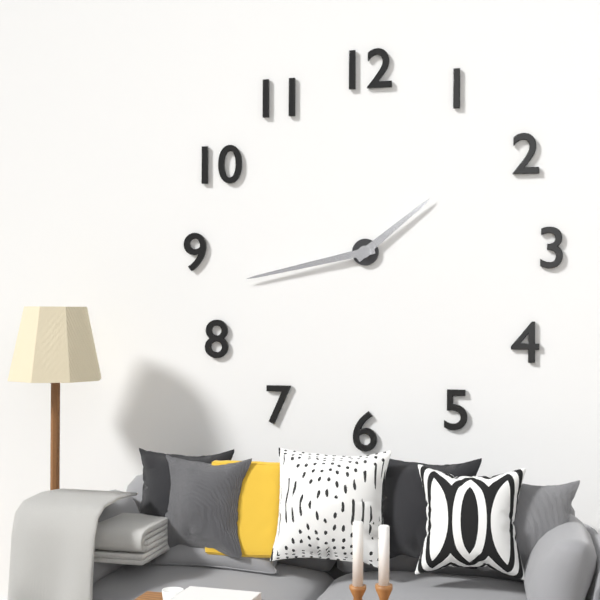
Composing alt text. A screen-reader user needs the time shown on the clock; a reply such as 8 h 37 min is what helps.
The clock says 1 h 43 min
